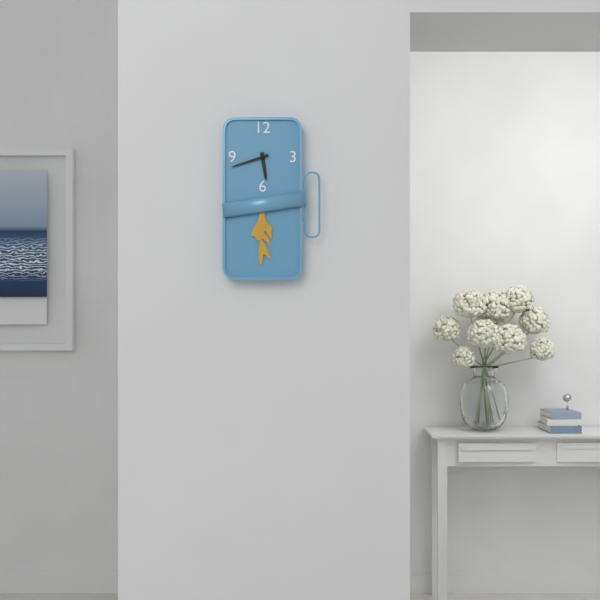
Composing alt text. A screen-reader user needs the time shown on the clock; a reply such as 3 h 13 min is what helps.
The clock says 5 h 42 min
